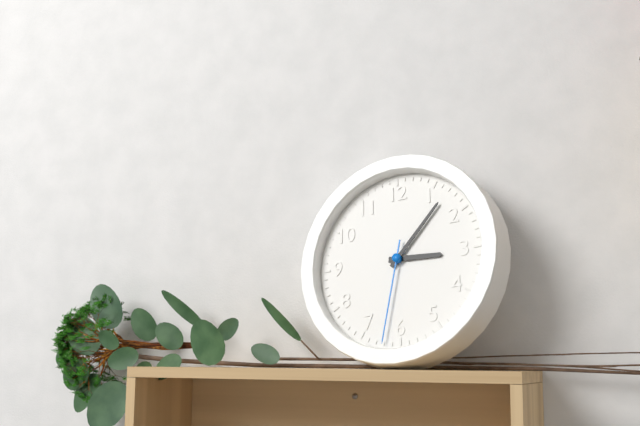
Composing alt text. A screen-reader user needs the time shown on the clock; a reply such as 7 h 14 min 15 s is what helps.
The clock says 3 h 07 min 32 s
